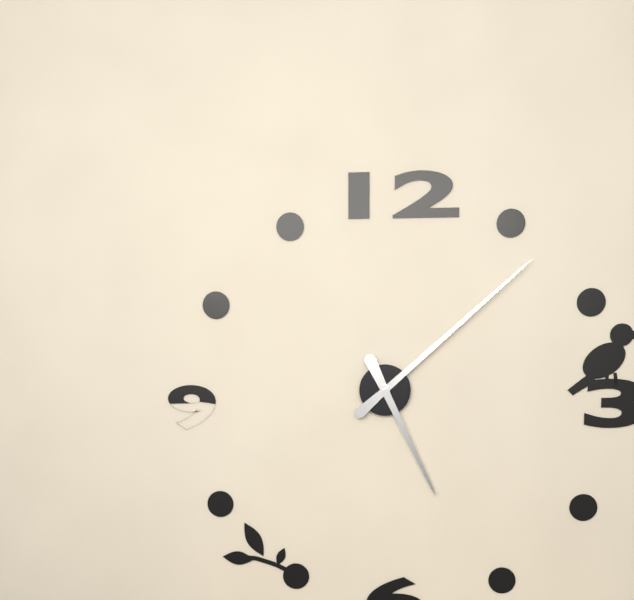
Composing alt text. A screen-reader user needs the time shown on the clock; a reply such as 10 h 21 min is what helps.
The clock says 5 h 08 min
